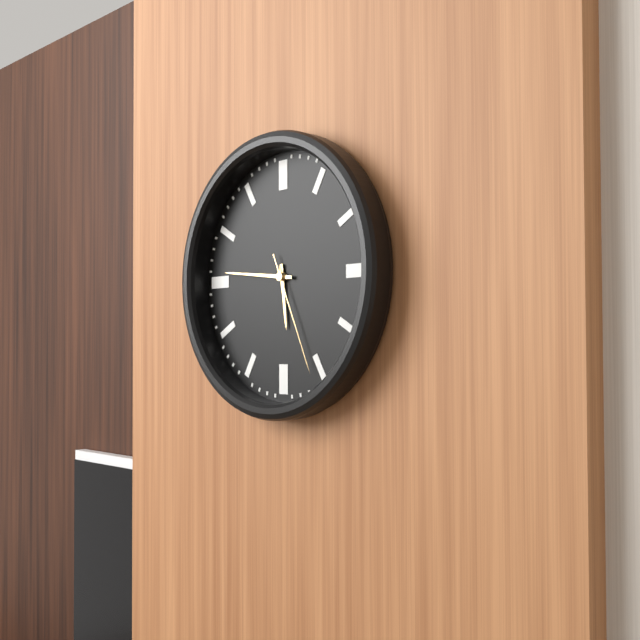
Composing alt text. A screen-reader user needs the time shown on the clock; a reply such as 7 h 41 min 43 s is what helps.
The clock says 5 h 46 min 26 s
